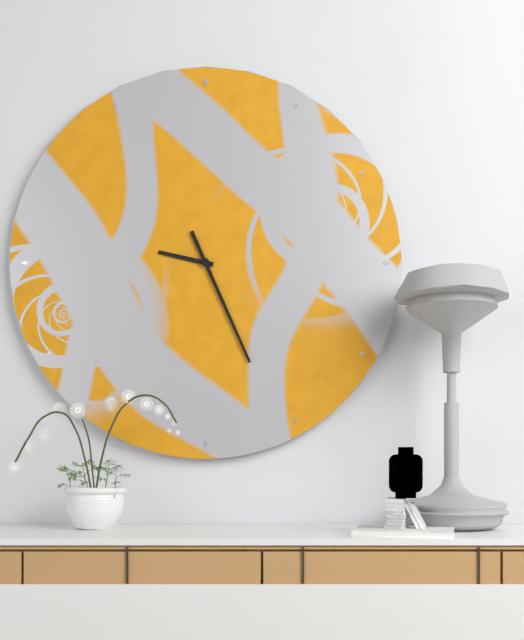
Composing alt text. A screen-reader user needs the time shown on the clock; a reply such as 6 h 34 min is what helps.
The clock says 9 h 26 min
